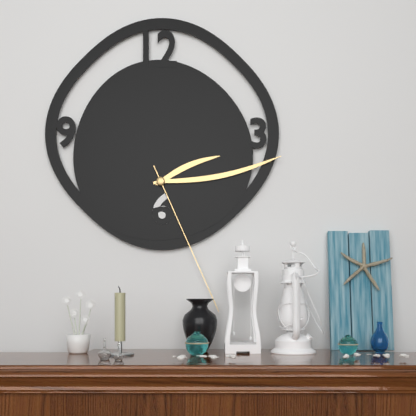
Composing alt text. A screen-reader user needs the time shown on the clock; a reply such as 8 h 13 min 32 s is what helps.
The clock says 2 h 13 min 26 s
